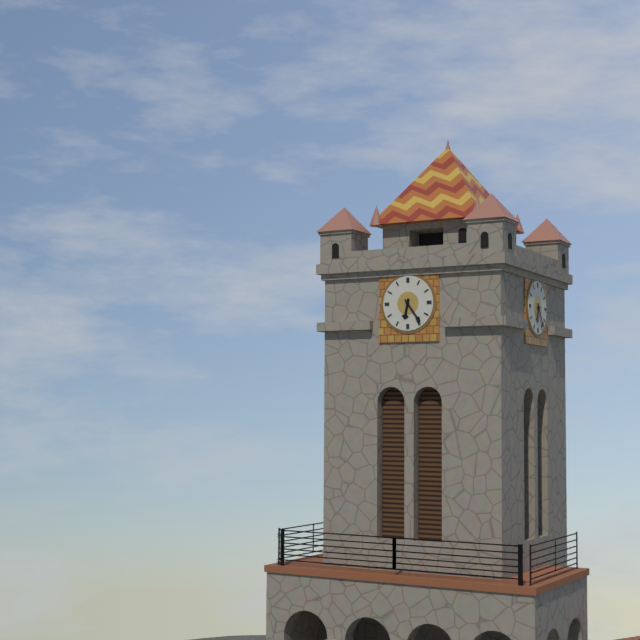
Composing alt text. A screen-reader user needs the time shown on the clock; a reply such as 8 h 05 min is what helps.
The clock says 6 h 24 min
